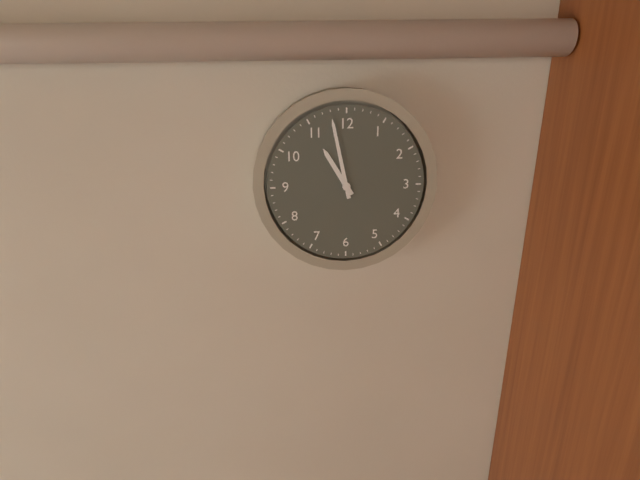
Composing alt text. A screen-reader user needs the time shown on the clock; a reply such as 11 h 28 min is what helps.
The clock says 10 h 58 min
